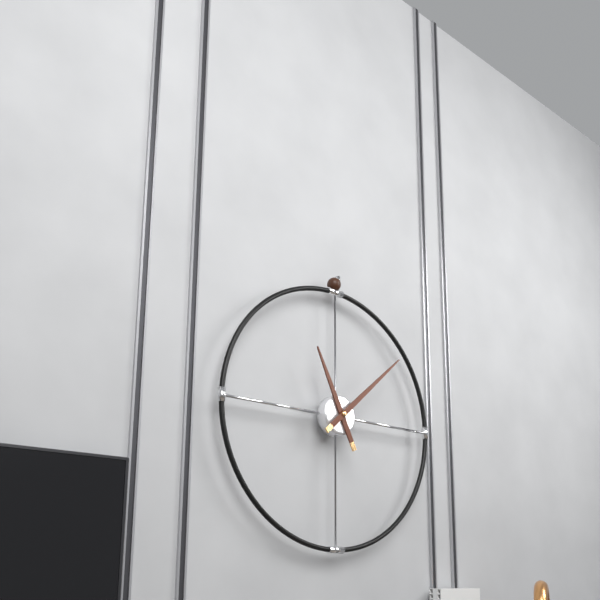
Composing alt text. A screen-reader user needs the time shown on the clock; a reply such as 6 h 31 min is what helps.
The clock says 11 h 08 min
